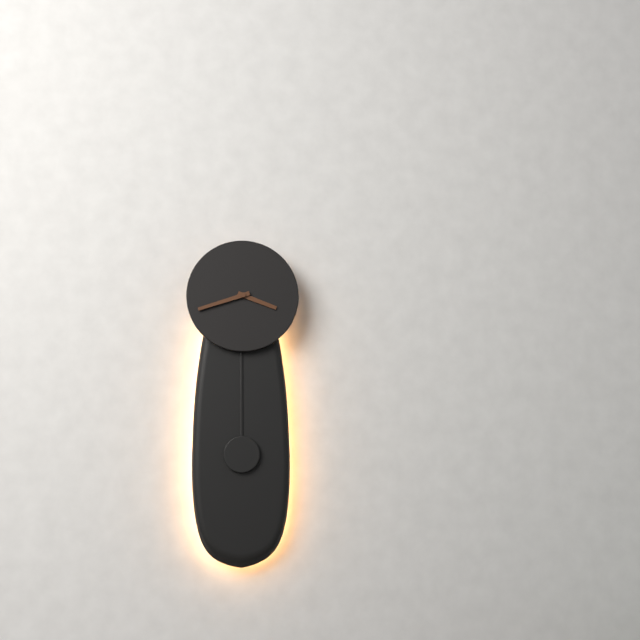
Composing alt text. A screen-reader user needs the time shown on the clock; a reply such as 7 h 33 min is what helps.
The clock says 3 h 42 min
